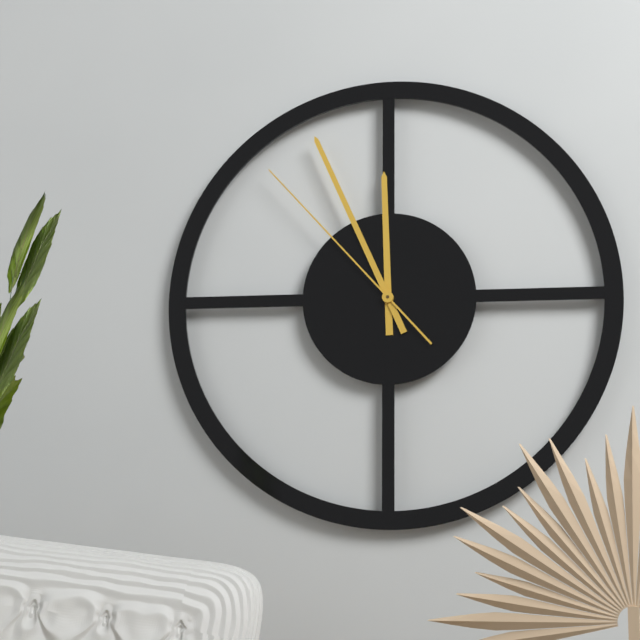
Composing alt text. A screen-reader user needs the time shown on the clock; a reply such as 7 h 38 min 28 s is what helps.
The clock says 11 h 56 min 53 s
